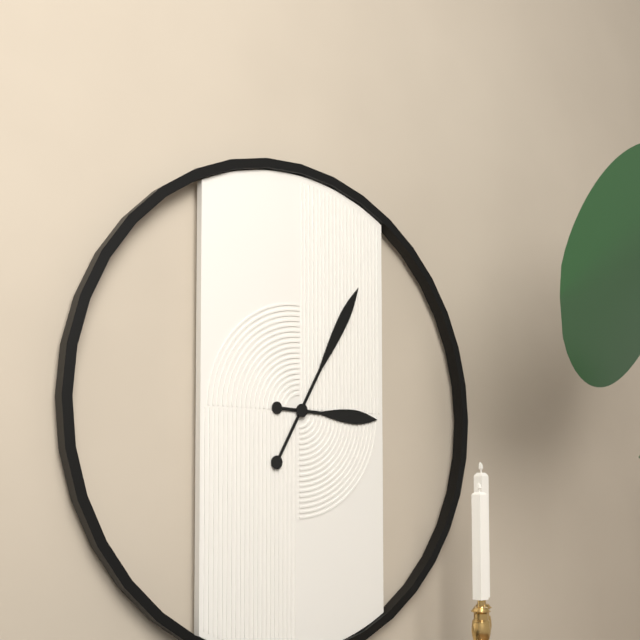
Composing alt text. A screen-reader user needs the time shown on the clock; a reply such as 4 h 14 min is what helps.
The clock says 3 h 05 min
